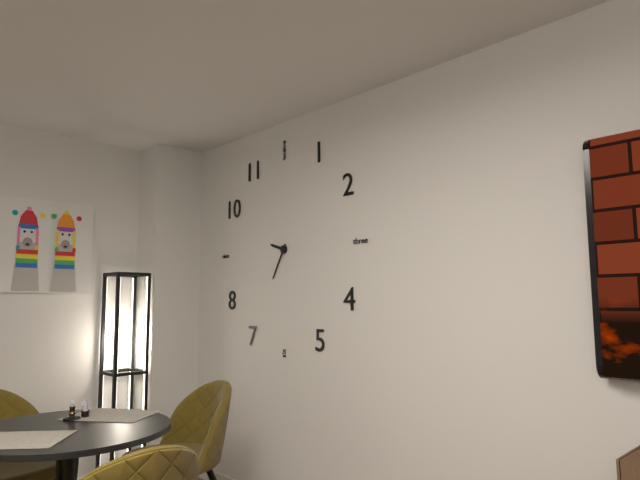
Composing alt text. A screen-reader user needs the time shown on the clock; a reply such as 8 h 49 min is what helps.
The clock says 9 h 35 min
